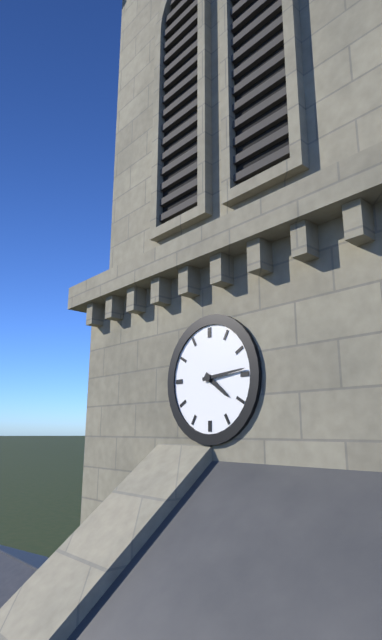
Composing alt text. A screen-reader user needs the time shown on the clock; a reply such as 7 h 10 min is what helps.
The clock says 4 h 14 min
